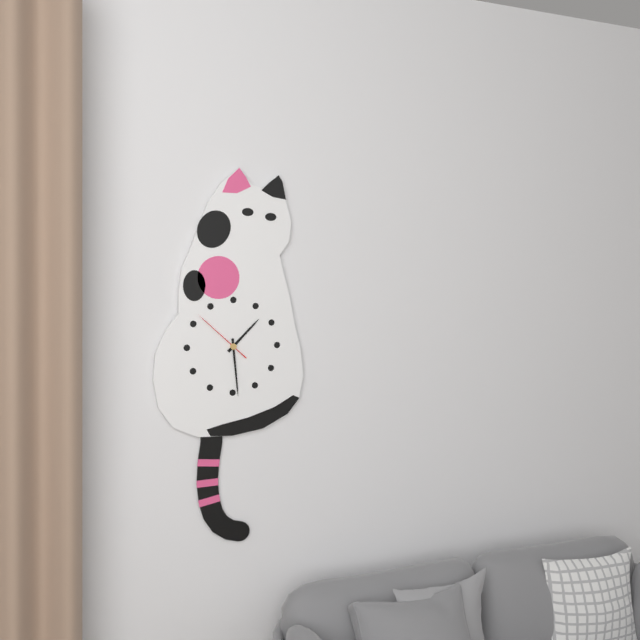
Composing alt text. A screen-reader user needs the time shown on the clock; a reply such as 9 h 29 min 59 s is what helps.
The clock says 1 h 29 min 52 s
